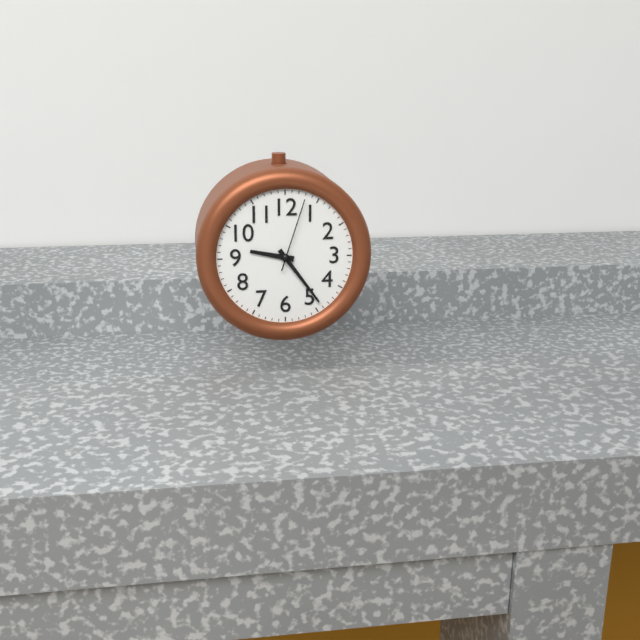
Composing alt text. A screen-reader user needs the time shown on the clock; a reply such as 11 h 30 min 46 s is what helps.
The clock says 9 h 24 min 03 s
